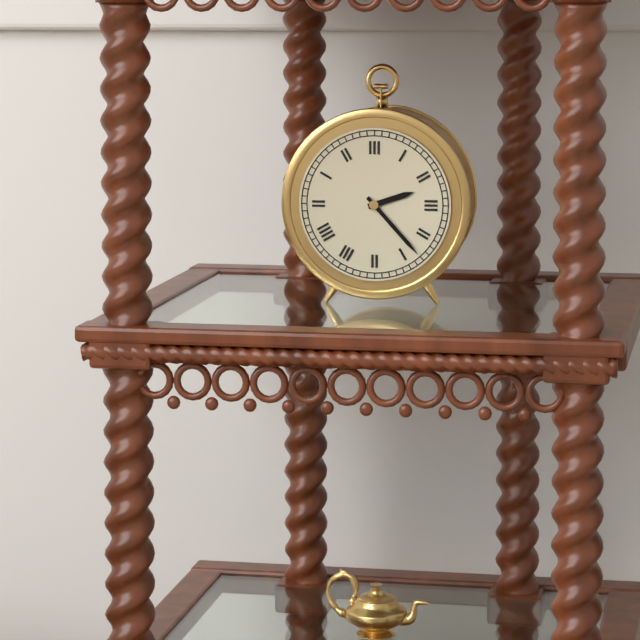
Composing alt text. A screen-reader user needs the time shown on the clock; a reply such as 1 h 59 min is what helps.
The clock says 2 h 23 min
